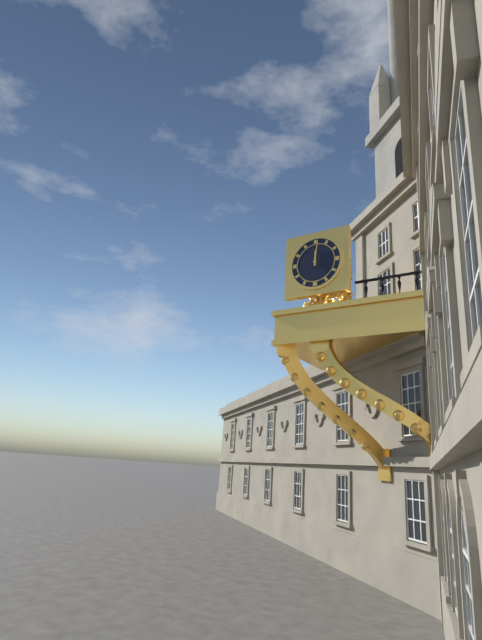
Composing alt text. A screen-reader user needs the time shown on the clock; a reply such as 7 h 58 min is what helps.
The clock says 12 h 01 min
